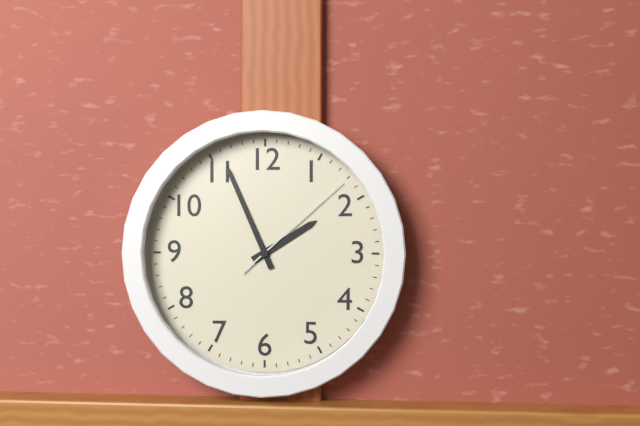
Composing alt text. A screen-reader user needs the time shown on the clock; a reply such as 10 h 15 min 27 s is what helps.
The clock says 1 h 56 min 08 s
